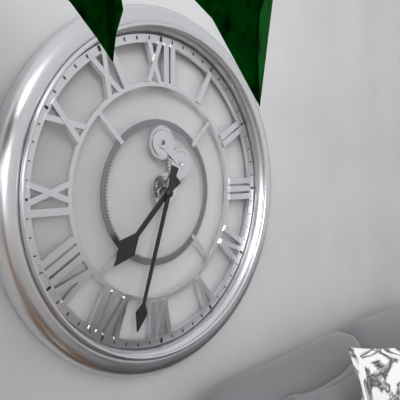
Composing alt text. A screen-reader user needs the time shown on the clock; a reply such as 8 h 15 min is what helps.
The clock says 7 h 33 min
